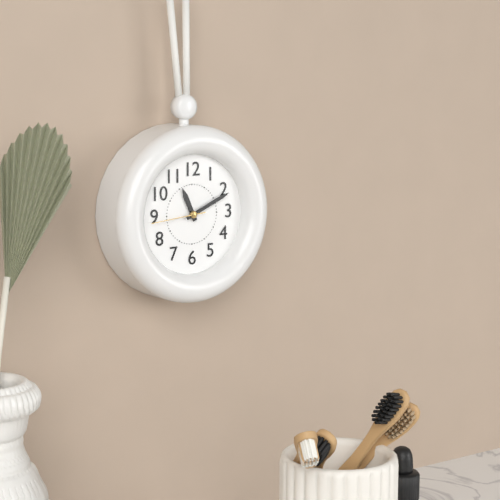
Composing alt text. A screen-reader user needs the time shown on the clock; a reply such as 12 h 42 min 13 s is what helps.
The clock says 11 h 11 min 44 s
